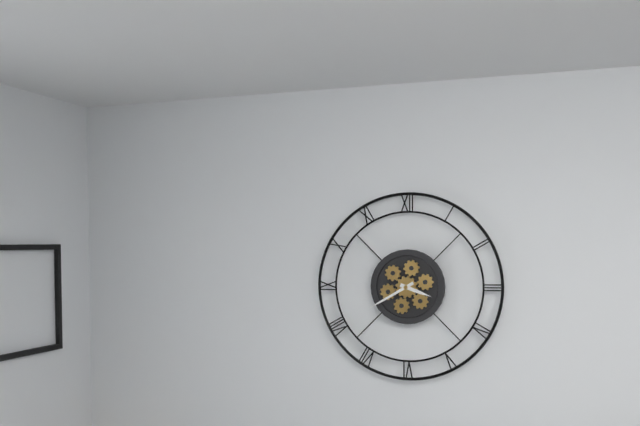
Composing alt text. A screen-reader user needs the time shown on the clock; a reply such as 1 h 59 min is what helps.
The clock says 3 h 40 min
